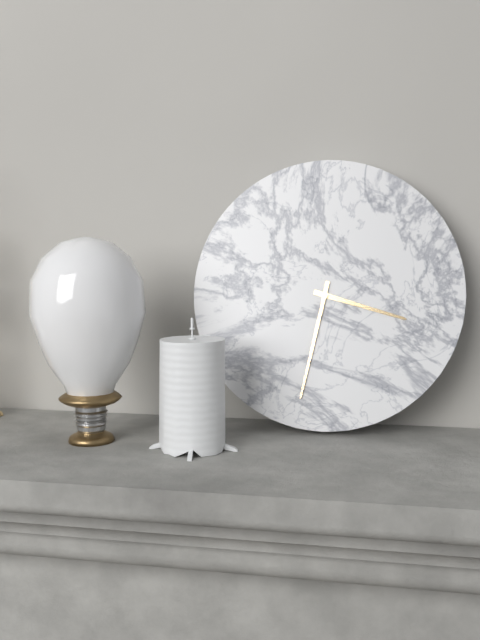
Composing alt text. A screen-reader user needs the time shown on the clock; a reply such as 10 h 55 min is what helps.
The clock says 3 h 32 min
